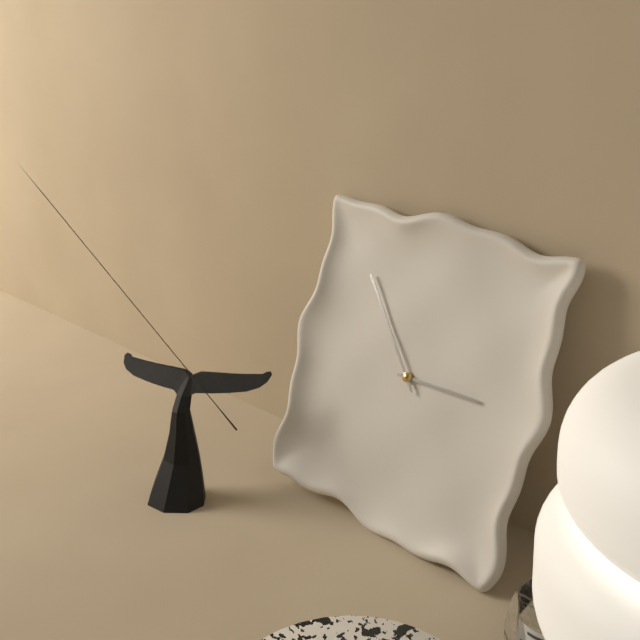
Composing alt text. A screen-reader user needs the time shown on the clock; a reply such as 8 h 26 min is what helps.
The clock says 2 h 53 min
